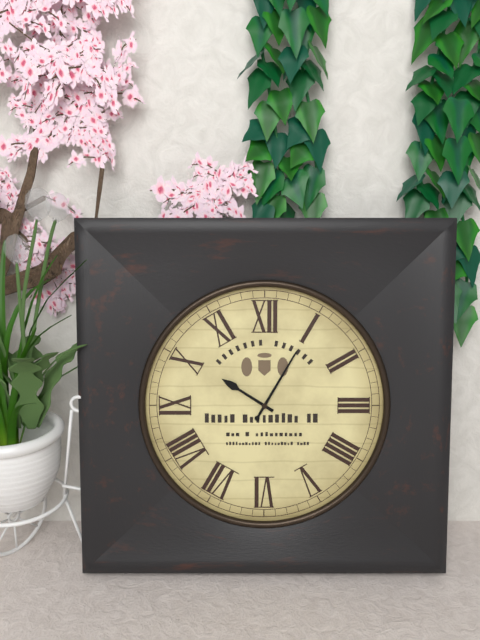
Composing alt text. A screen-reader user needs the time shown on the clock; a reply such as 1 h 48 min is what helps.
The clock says 10 h 05 min
